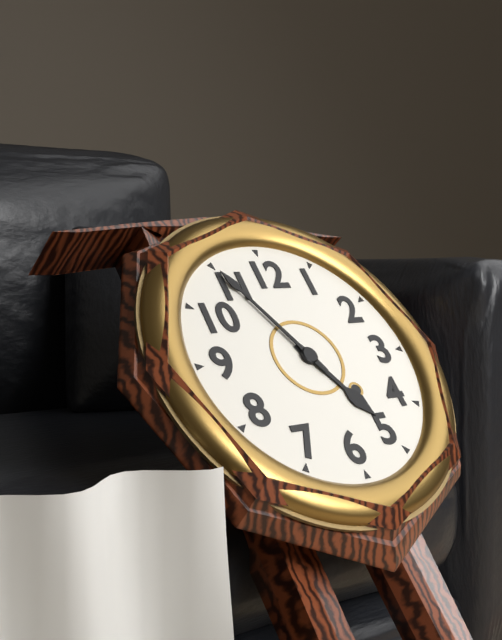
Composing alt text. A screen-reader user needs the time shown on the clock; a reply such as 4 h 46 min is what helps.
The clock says 4 h 55 min
